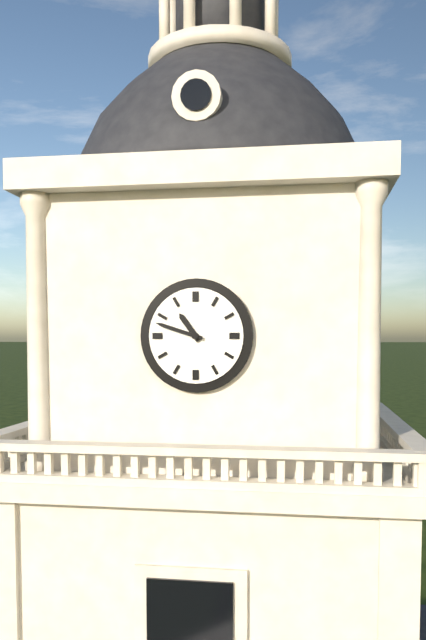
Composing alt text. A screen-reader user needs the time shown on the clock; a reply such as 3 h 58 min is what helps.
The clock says 10 h 48 min
